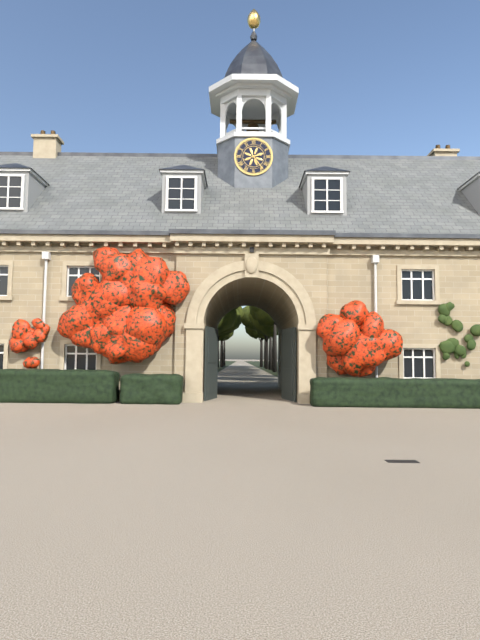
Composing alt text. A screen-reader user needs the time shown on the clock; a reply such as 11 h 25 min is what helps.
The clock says 2 h 24 min
